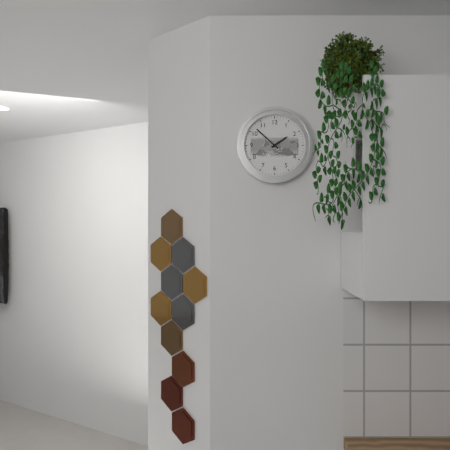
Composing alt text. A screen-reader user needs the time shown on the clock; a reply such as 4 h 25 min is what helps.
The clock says 1 h 52 min
